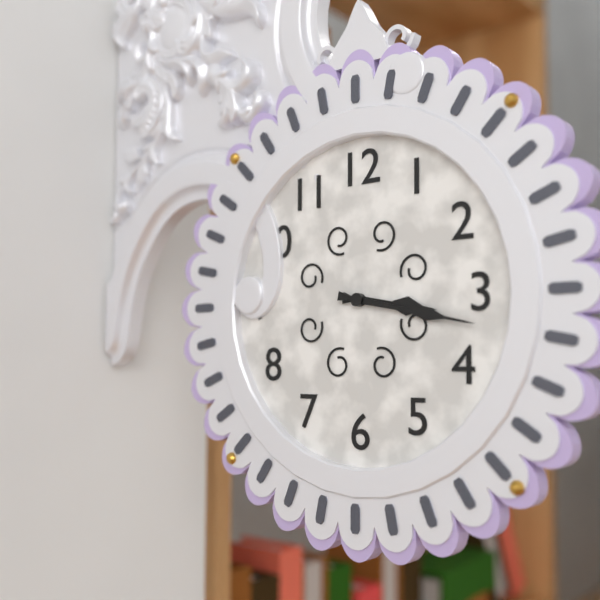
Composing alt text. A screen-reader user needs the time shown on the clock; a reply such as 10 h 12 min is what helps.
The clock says 3 h 17 min
